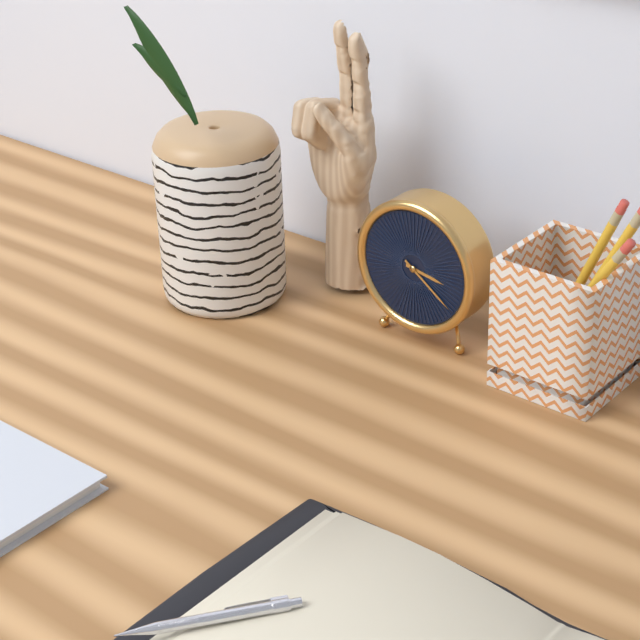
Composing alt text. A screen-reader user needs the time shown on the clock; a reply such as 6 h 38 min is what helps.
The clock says 3 h 21 min
